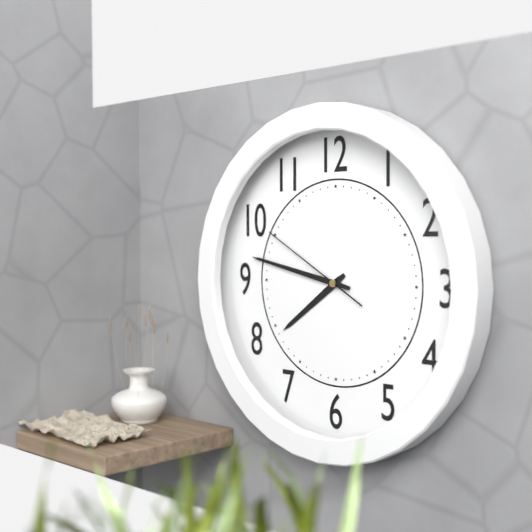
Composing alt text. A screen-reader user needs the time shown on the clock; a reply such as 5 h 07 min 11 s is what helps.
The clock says 7 h 47 min 50 s
